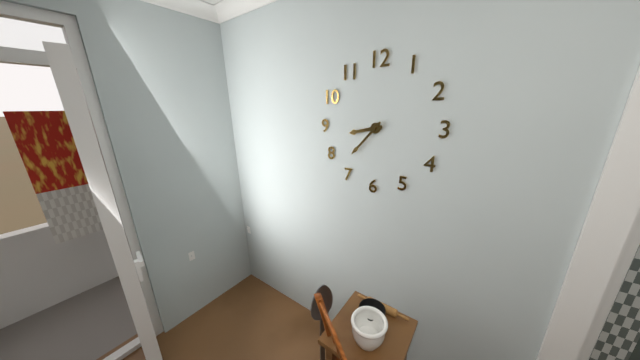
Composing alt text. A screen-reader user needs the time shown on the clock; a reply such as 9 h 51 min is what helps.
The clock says 8 h 37 min
